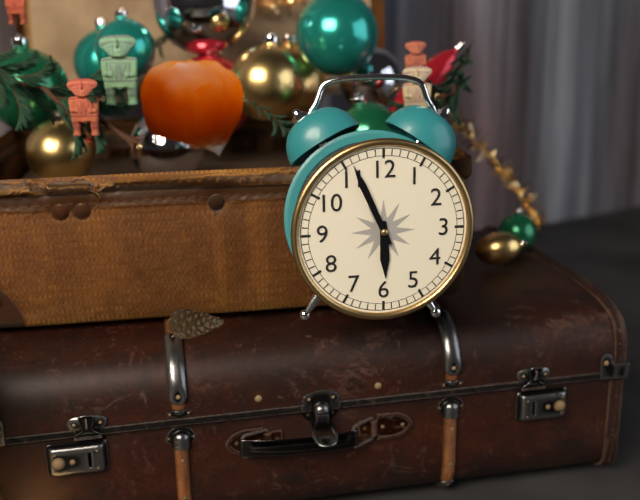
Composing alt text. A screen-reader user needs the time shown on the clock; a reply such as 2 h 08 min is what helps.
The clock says 5 h 56 min
